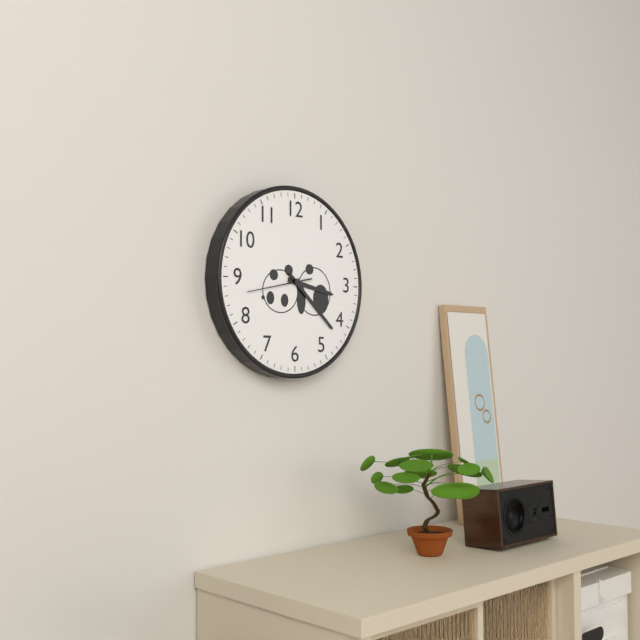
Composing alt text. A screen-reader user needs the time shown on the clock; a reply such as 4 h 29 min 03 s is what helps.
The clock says 3 h 22 min 43 s
